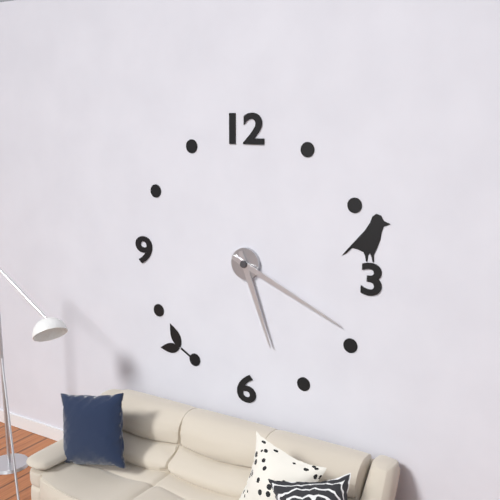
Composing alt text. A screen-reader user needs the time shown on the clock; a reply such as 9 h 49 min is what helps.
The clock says 5 h 19 min
